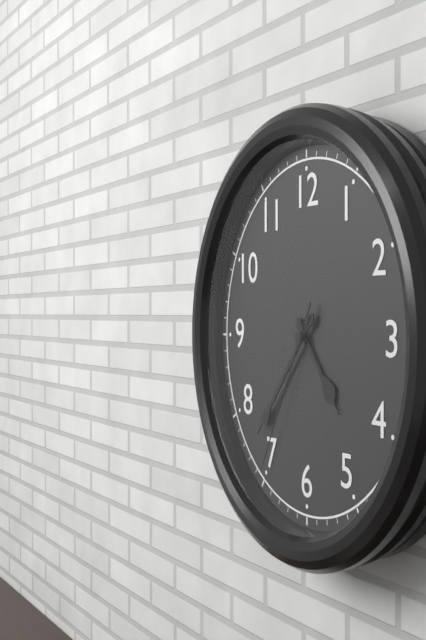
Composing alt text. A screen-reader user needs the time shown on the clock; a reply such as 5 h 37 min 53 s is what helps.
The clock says 4 h 37 min 35 s
